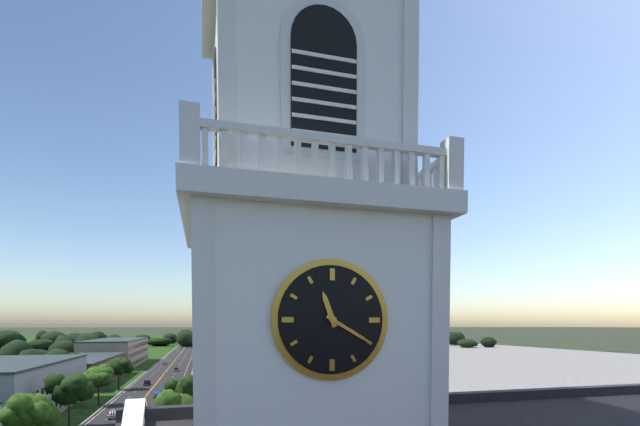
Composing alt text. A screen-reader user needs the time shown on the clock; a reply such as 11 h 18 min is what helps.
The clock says 11 h 20 min
